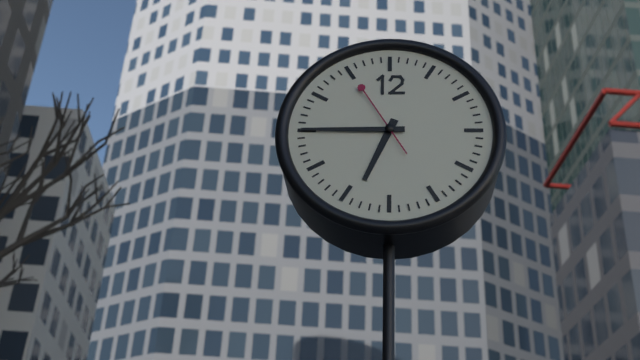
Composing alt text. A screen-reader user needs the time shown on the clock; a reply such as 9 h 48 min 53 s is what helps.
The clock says 6 h 45 min 55 s
